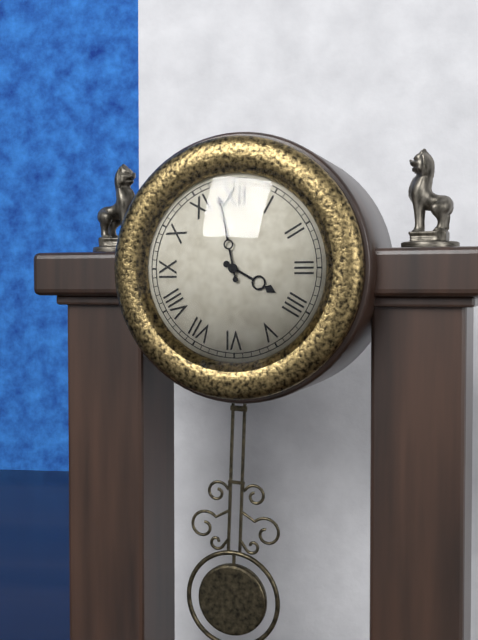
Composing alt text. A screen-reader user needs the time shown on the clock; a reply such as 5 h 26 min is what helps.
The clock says 3 h 58 min
